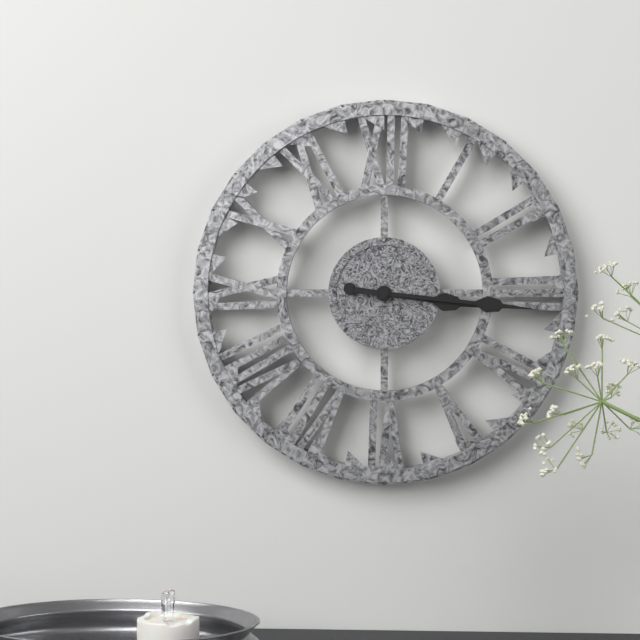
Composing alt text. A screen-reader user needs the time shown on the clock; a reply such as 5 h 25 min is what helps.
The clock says 3 h 16 min
